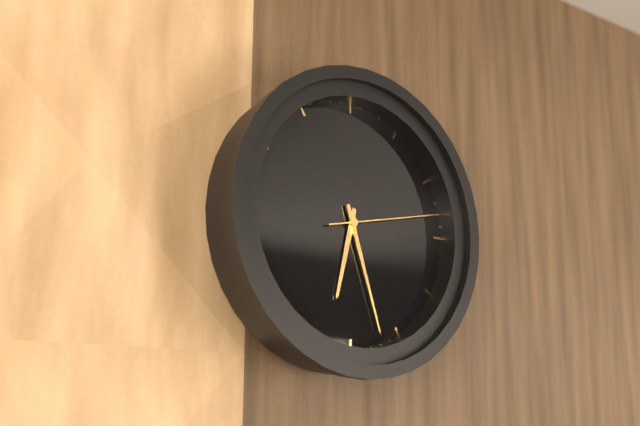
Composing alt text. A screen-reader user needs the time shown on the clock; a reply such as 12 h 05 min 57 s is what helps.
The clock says 6 h 27 min 13 s
